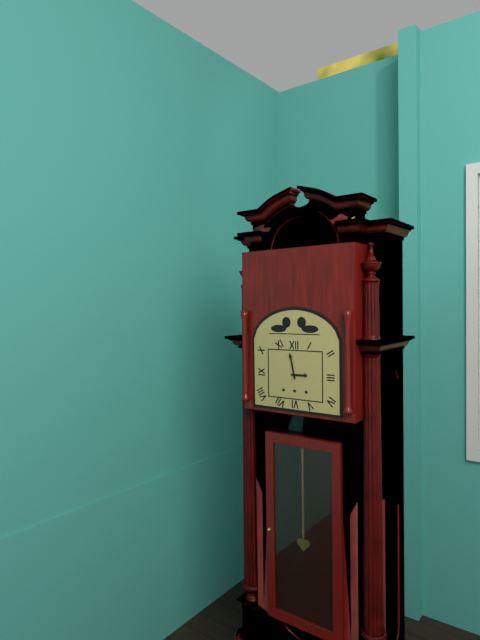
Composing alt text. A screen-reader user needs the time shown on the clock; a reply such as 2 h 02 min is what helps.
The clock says 2 h 58 min
